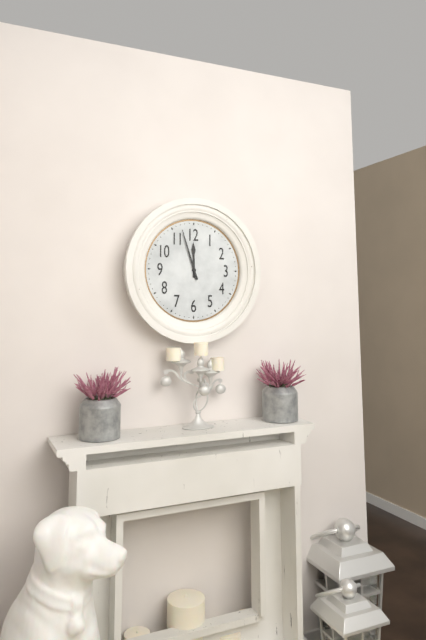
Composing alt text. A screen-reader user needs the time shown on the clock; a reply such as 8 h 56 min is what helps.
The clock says 11 h 57 min
